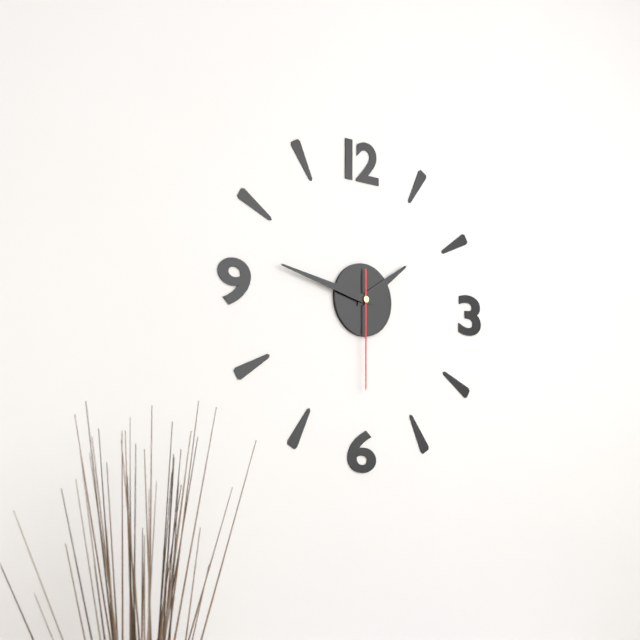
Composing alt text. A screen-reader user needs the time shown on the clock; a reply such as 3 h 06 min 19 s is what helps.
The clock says 1 h 47 min 30 s
